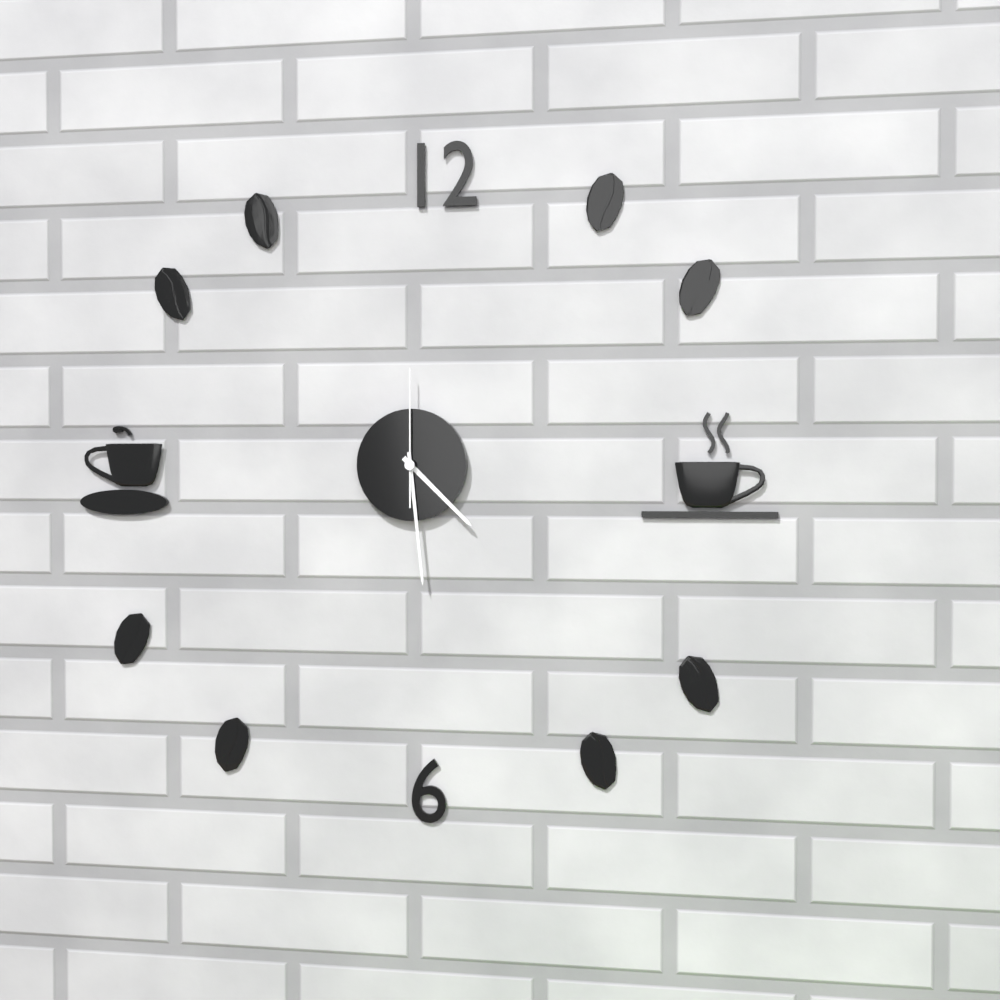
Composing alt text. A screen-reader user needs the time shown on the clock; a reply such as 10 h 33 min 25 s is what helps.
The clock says 4 h 29 min 00 s
